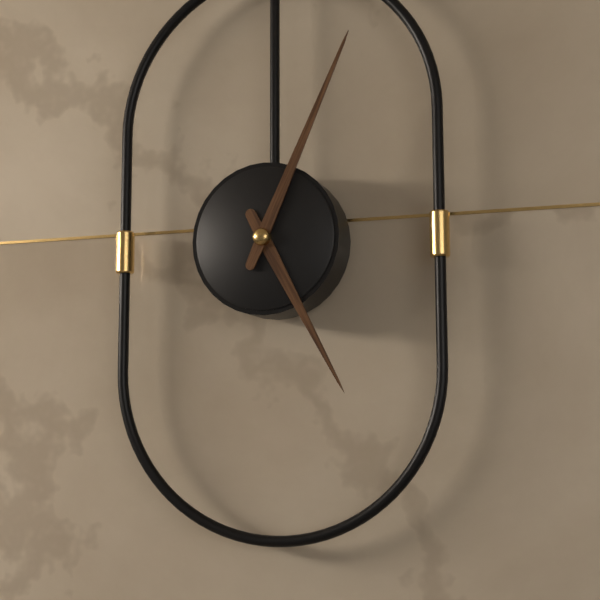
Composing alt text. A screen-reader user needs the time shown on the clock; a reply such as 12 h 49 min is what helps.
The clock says 5 h 04 min
